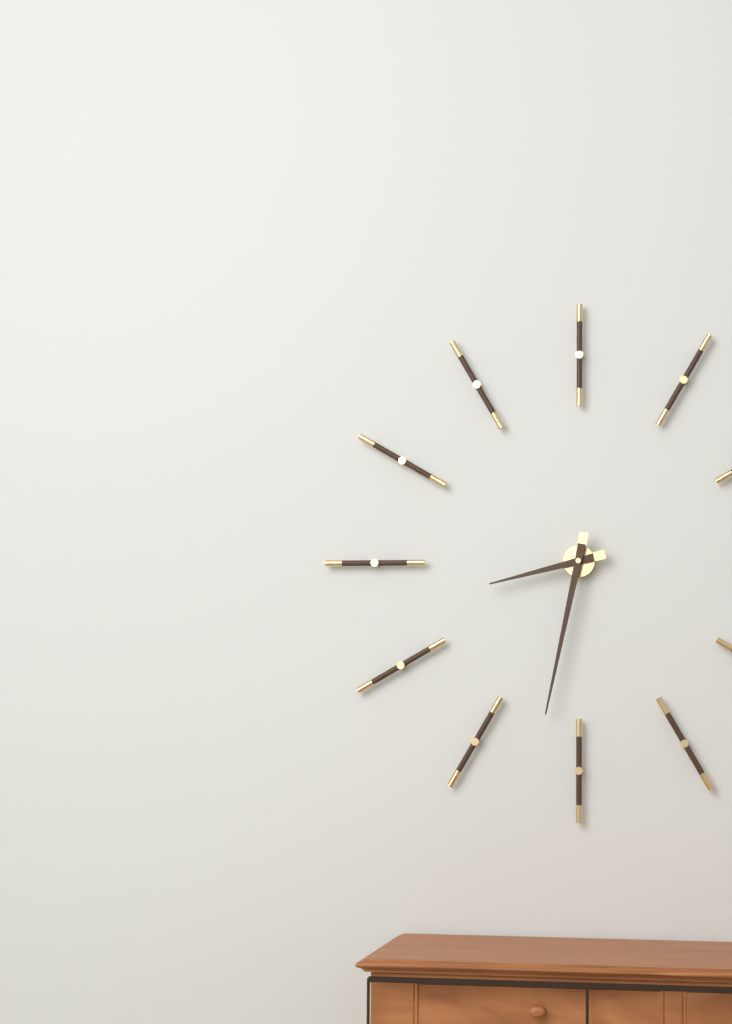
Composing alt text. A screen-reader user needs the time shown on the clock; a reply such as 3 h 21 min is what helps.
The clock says 8 h 32 min
